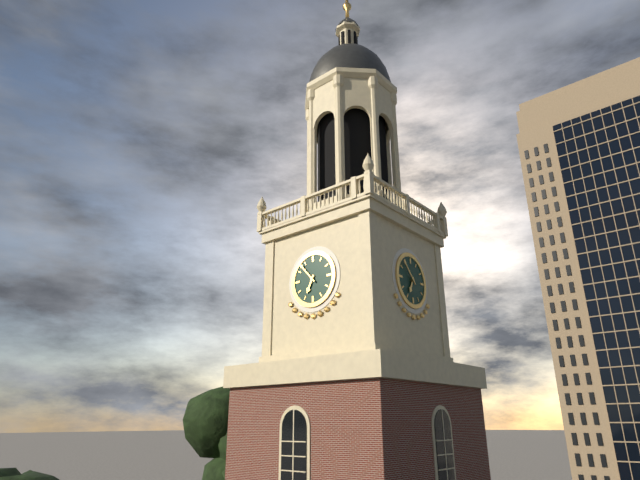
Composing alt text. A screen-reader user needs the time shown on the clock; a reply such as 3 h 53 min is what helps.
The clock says 6 h 53 min
